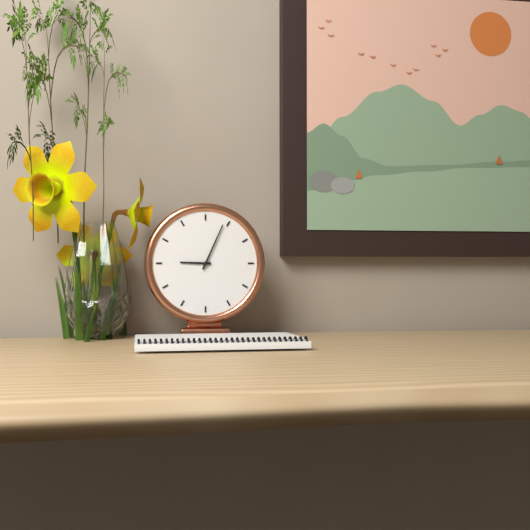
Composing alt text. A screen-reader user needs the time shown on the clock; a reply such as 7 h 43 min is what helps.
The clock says 9 h 04 min
